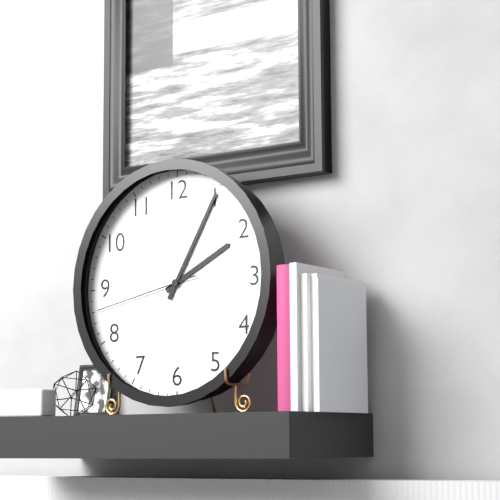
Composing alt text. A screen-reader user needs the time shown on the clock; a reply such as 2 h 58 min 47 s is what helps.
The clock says 2 h 05 min 43 s
